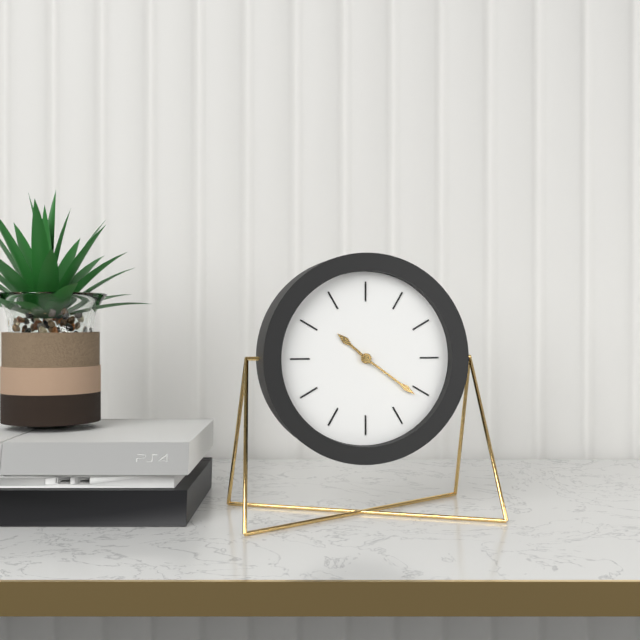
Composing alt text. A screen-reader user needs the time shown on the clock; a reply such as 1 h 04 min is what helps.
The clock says 10 h 21 min
